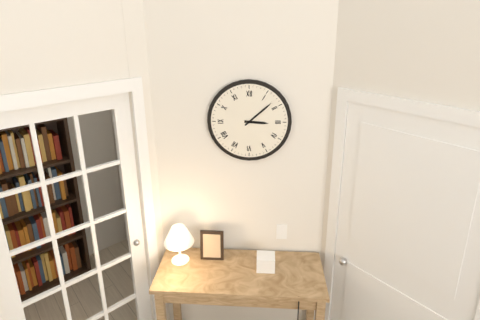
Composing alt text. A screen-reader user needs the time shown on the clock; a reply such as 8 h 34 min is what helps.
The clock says 3 h 08 min
